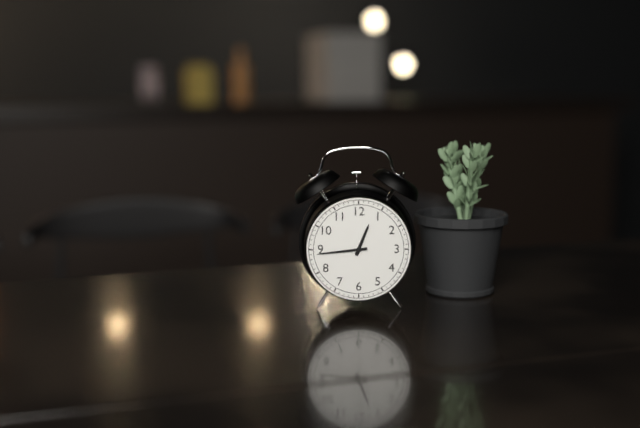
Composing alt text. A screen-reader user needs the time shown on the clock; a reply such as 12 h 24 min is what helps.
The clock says 12 h 44 min
